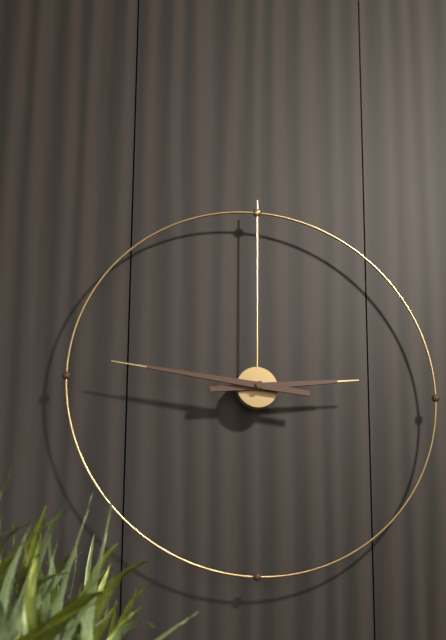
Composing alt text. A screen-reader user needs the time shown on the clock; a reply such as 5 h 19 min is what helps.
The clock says 2 h 46 min
